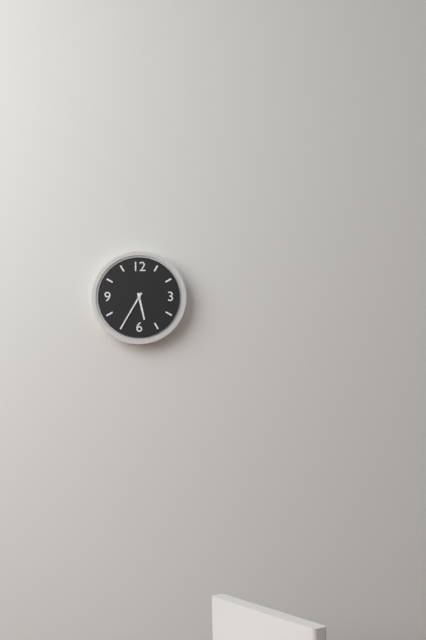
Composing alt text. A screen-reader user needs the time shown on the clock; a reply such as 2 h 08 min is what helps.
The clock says 5 h 35 min
